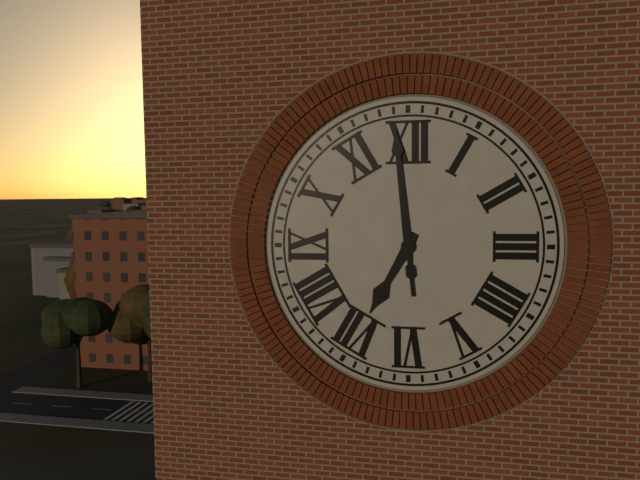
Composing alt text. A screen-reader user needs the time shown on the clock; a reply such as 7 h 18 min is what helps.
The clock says 6 h 59 min
